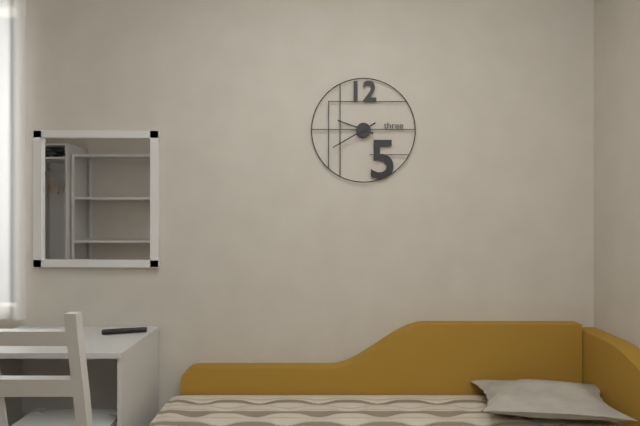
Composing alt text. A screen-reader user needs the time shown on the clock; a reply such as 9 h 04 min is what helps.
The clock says 9 h 40 min
